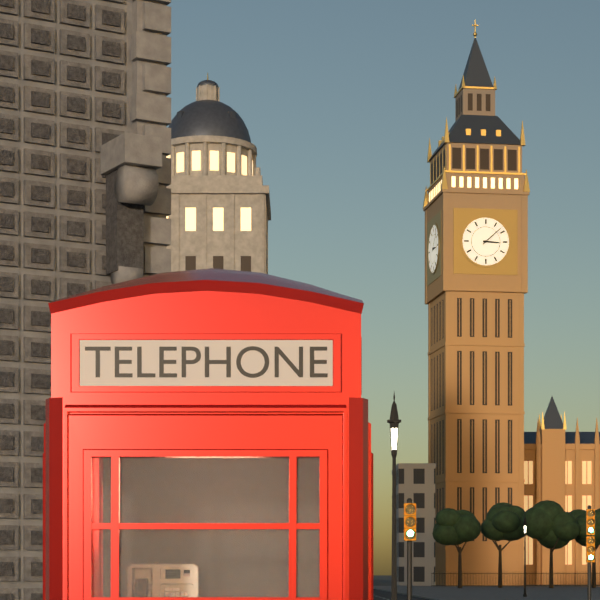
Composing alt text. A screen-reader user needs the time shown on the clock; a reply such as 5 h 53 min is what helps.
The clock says 3 h 08 min
